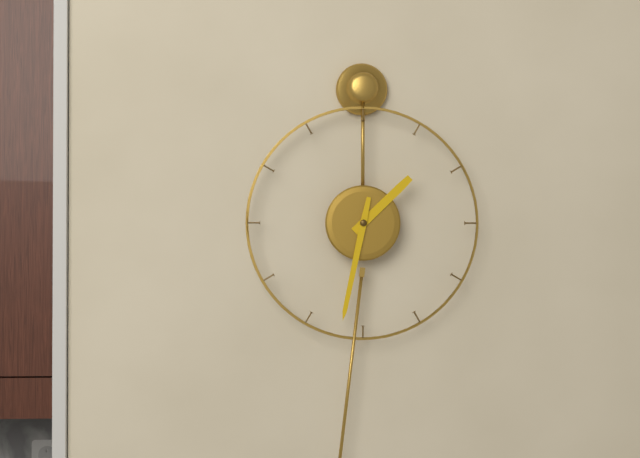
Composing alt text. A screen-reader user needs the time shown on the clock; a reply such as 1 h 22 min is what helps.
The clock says 1 h 32 min
